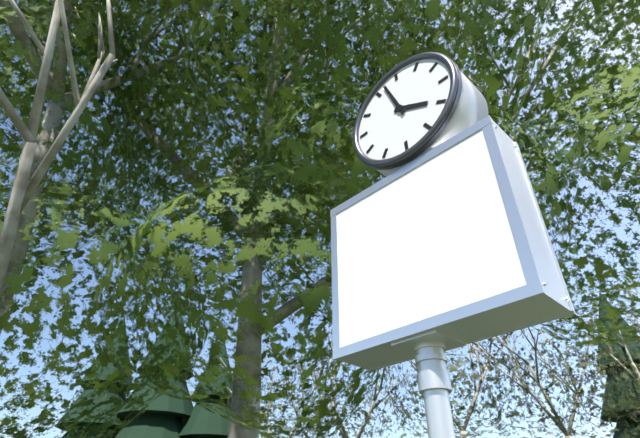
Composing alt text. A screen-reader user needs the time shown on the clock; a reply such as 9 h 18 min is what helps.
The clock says 3 h 57 min
